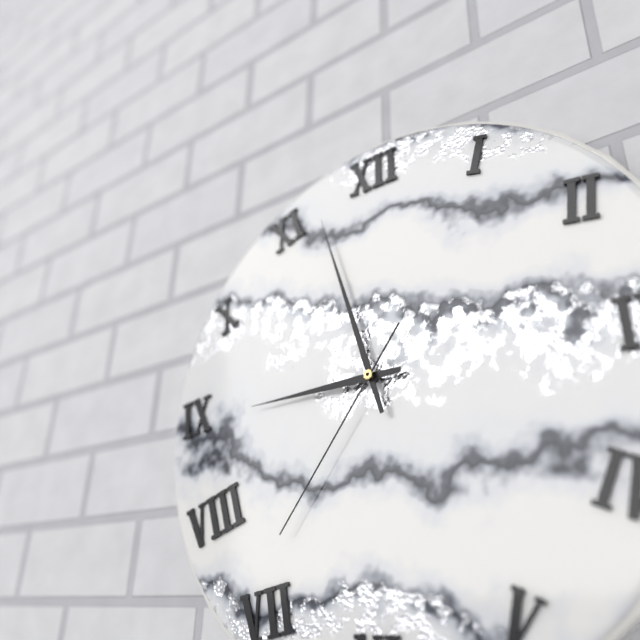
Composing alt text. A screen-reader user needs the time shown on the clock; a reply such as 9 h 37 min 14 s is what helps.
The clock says 8 h 57 min 36 s
